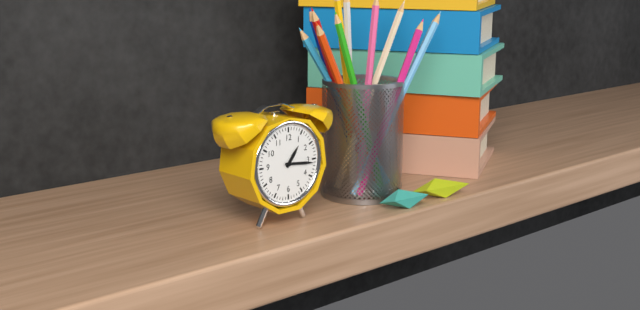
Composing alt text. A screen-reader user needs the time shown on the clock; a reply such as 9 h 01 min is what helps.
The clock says 1 h 16 min
